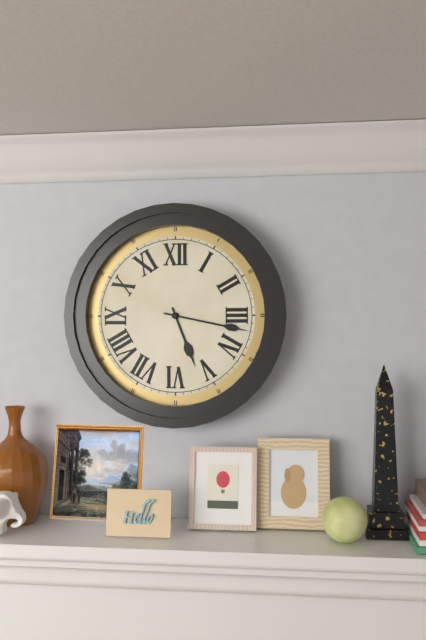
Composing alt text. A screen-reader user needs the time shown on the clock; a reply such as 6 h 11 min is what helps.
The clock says 5 h 17 min
